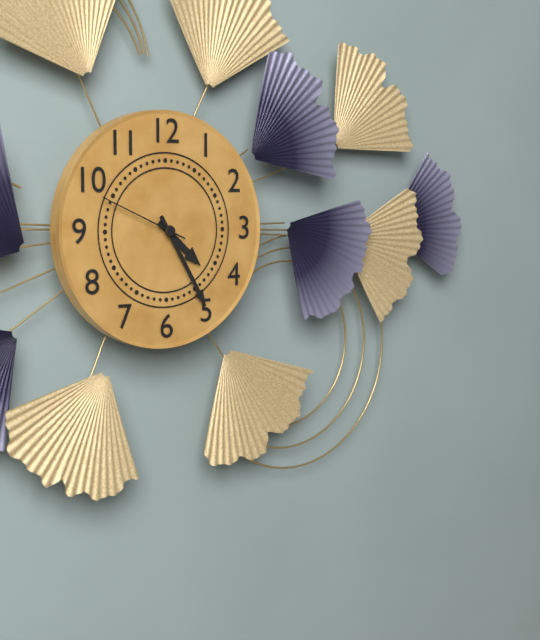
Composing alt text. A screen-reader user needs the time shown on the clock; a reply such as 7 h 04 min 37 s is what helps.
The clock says 4 h 25 min 49 s
